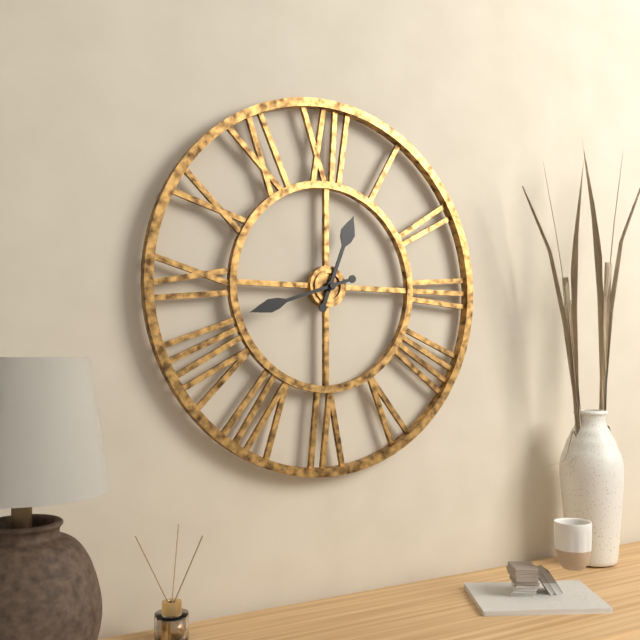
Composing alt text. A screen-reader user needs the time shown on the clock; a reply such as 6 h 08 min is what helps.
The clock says 12 h 42 min
